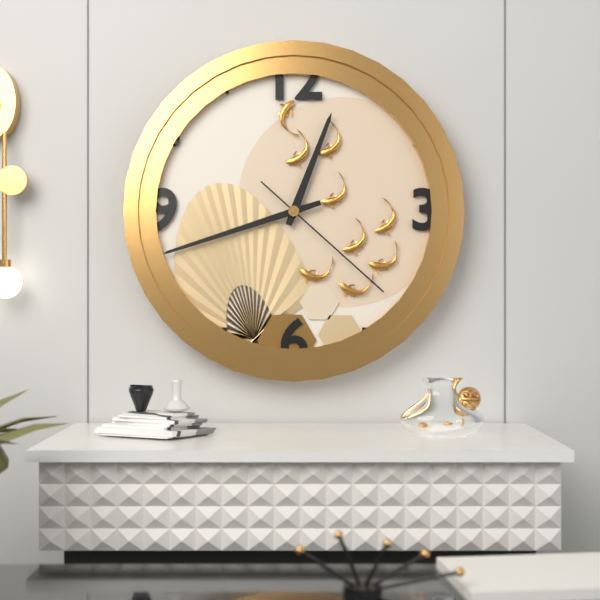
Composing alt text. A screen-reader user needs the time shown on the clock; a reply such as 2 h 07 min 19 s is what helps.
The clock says 12 h 42 min 22 s
